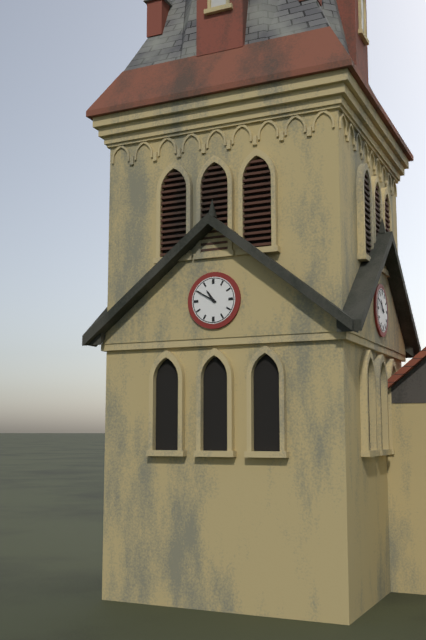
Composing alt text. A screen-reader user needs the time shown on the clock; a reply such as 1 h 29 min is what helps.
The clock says 10 h 50 min
